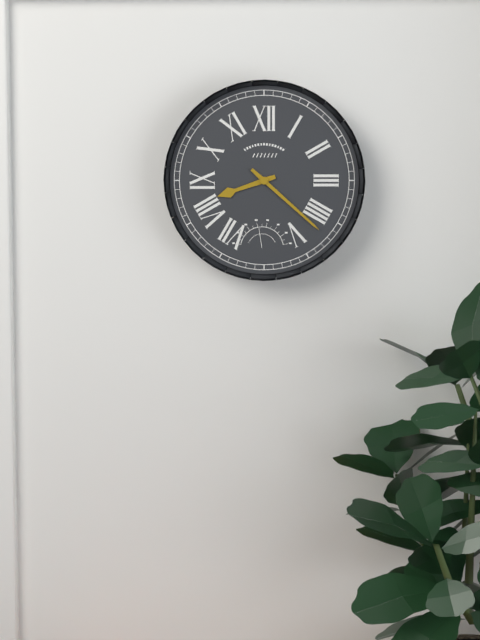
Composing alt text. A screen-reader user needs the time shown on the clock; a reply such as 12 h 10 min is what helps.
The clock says 8 h 22 min
